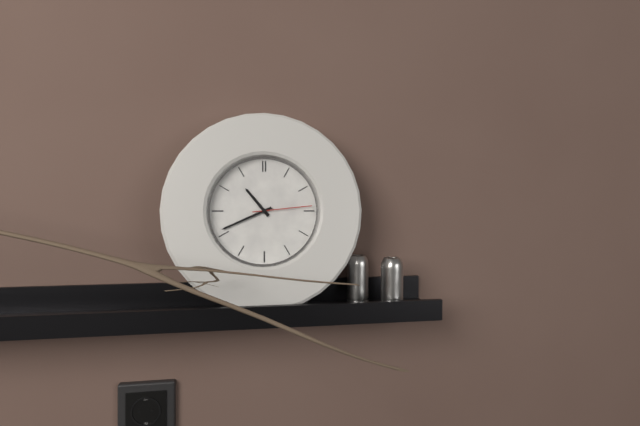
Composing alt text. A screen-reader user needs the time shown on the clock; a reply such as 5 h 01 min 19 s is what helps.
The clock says 10 h 41 min 14 s
